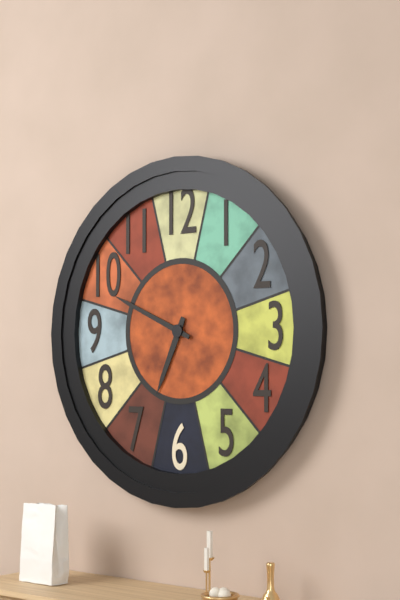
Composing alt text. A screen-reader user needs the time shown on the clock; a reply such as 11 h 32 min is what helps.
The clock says 6 h 49 min
